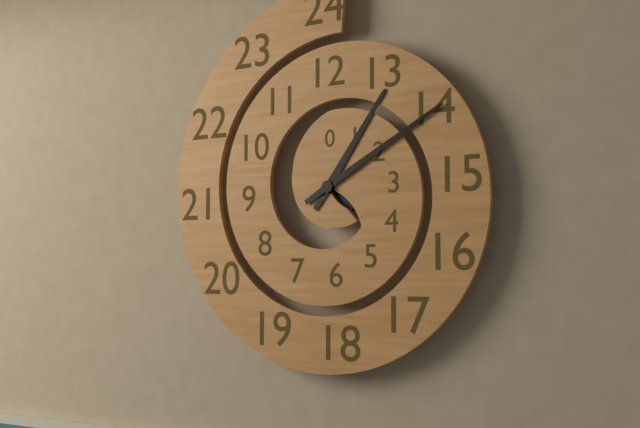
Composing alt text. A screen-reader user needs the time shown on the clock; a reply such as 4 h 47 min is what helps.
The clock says 1 h 10 min
